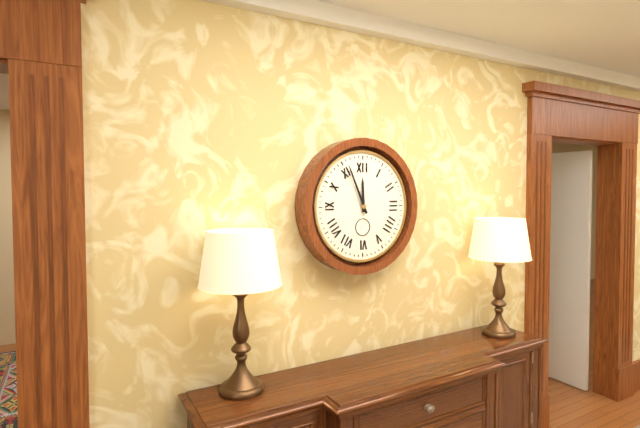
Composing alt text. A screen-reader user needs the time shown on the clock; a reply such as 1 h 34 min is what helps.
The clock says 11 h 56 min
